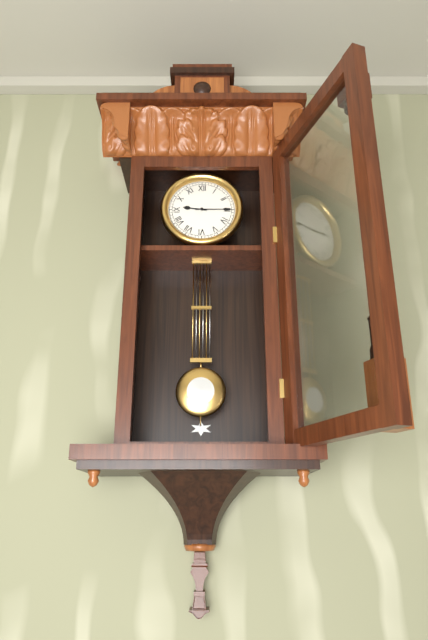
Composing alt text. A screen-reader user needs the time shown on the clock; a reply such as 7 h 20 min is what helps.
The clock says 9 h 15 min
